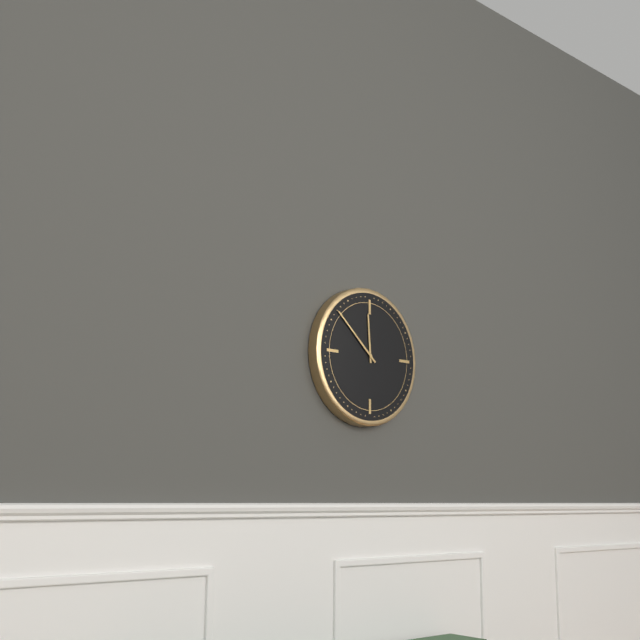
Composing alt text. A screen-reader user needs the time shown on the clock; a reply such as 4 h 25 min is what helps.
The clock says 11 h 52 min
